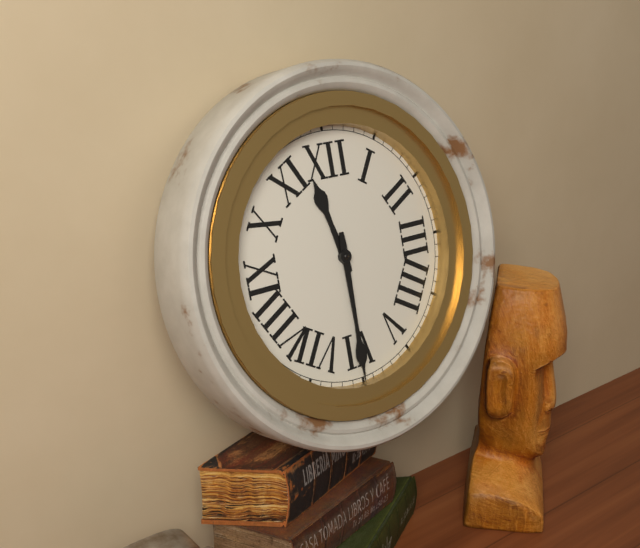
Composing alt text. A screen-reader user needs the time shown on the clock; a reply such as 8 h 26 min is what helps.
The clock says 11 h 30 min
